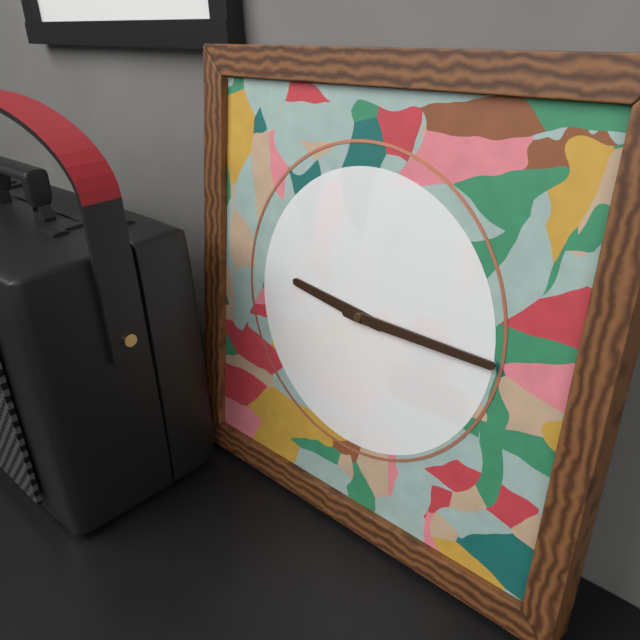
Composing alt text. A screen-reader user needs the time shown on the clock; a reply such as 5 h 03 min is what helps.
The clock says 9 h 15 min
